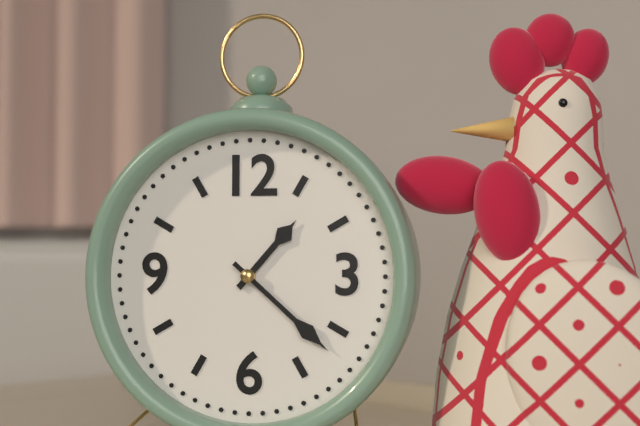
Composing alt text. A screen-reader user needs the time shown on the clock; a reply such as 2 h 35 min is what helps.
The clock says 1 h 22 min
